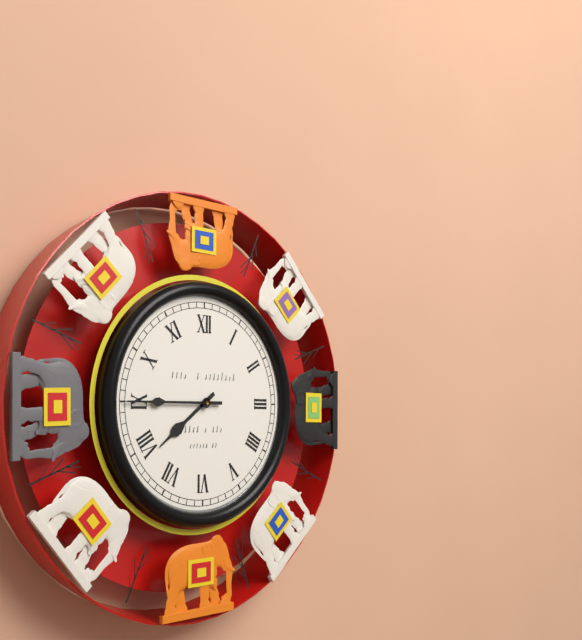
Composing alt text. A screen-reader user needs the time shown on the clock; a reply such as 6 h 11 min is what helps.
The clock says 7 h 45 min
